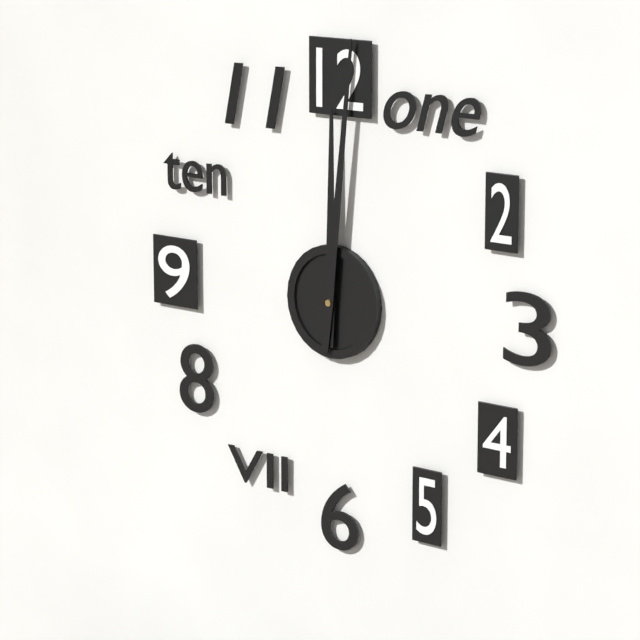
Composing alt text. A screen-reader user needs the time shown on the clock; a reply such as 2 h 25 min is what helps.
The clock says 12 h 01 min
